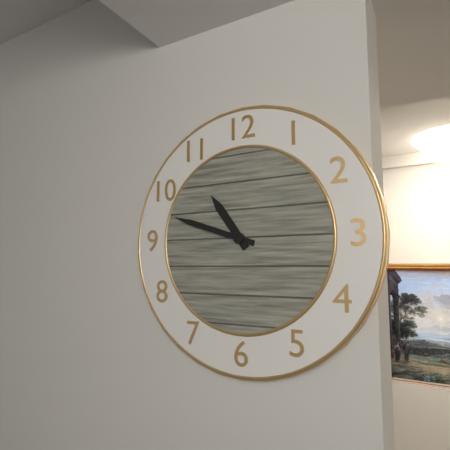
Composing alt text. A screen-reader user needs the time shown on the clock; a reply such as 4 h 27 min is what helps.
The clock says 10 h 48 min
